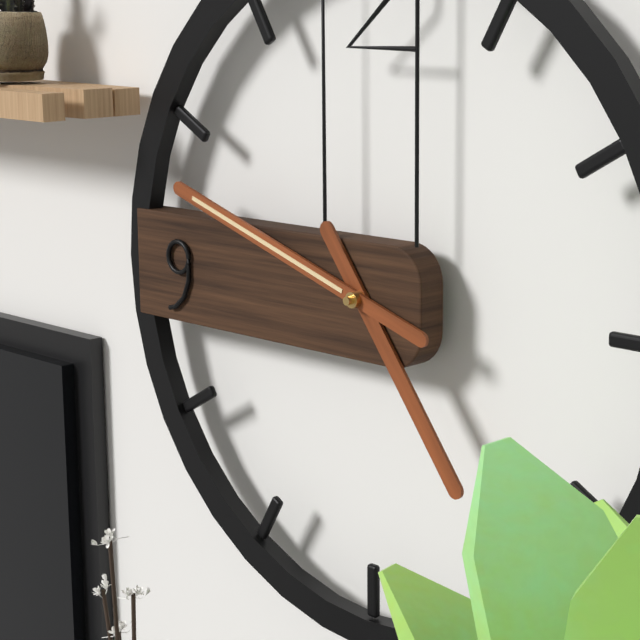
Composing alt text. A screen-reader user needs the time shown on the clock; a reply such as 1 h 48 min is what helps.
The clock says 4 h 48 min
